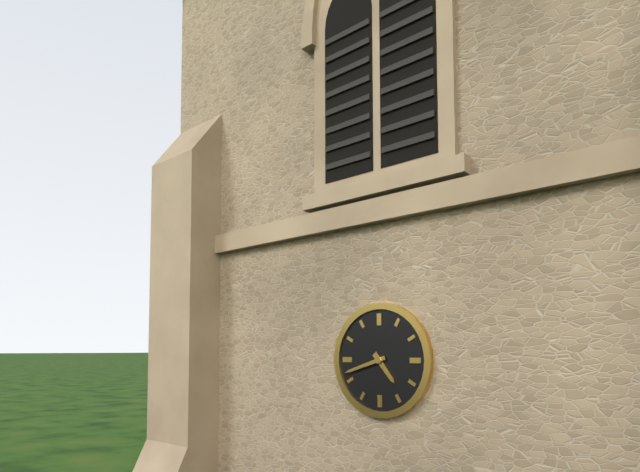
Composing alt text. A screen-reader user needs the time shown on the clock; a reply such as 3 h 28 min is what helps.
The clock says 4 h 42 min
